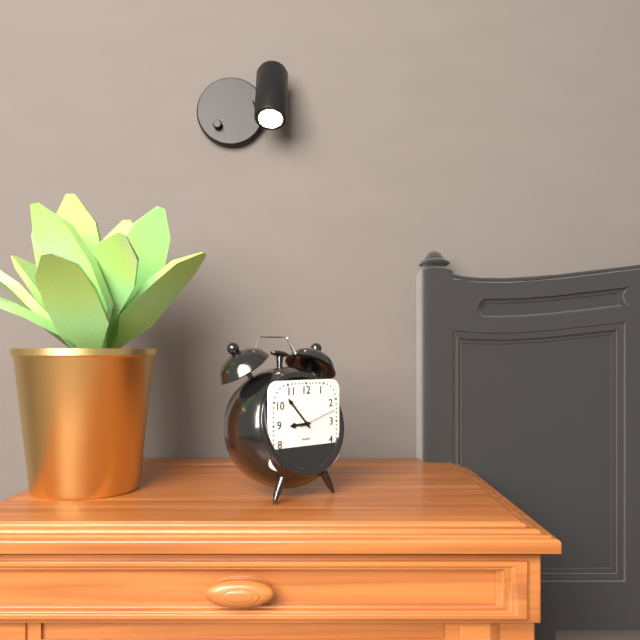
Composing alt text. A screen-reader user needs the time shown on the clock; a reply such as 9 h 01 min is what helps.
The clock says 8 h 53 min
